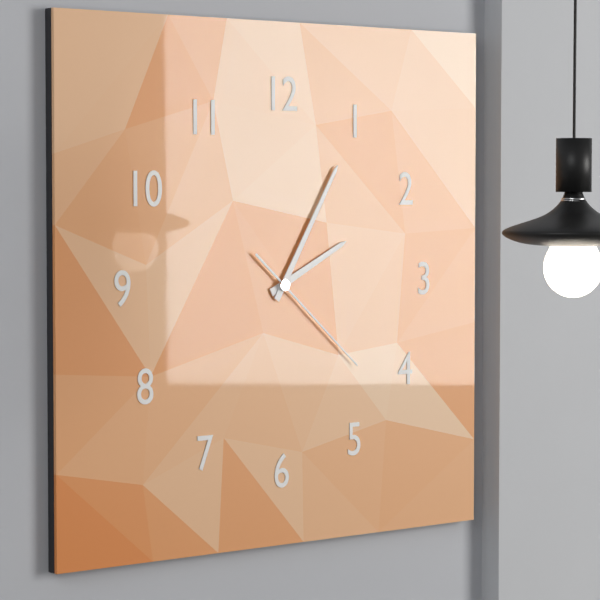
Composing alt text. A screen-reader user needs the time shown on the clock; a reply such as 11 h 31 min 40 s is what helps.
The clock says 2 h 05 min 22 s
